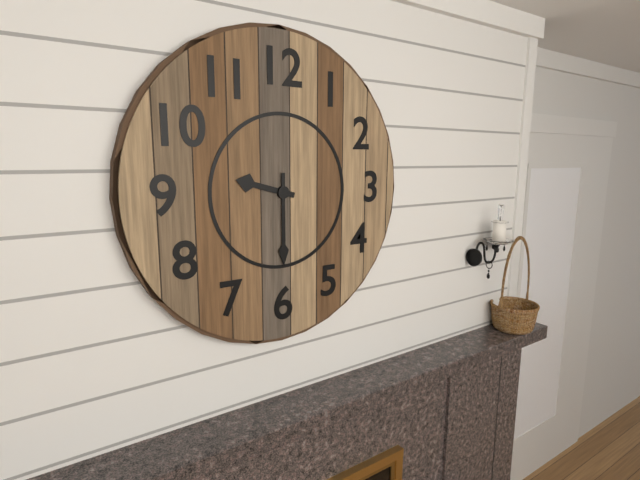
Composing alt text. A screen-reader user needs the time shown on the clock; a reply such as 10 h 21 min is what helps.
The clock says 9 h 30 min
